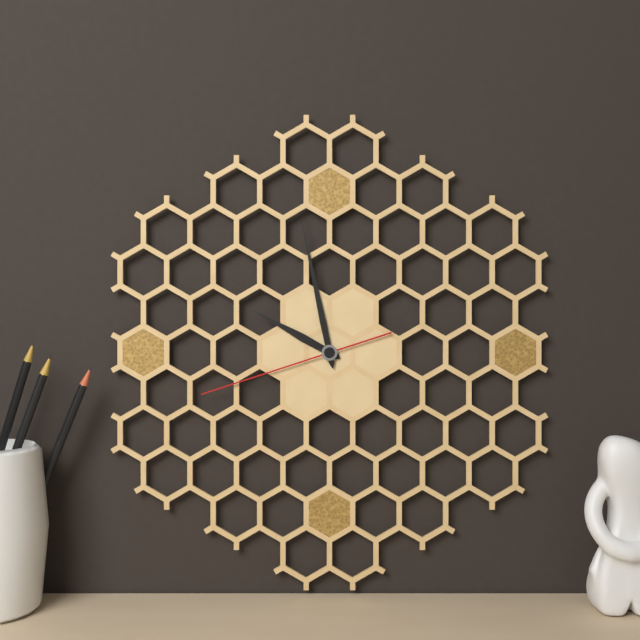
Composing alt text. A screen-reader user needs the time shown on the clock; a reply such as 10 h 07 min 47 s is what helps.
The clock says 9 h 58 min 42 s
